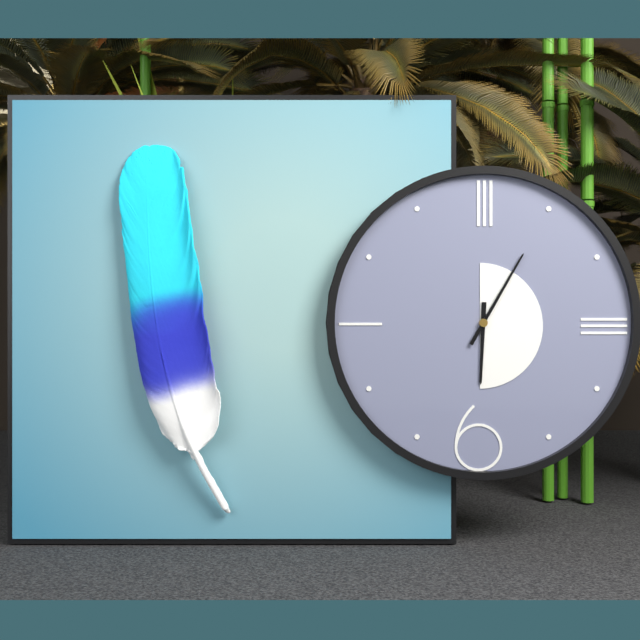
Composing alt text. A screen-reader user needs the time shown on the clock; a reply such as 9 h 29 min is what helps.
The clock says 6 h 05 min
